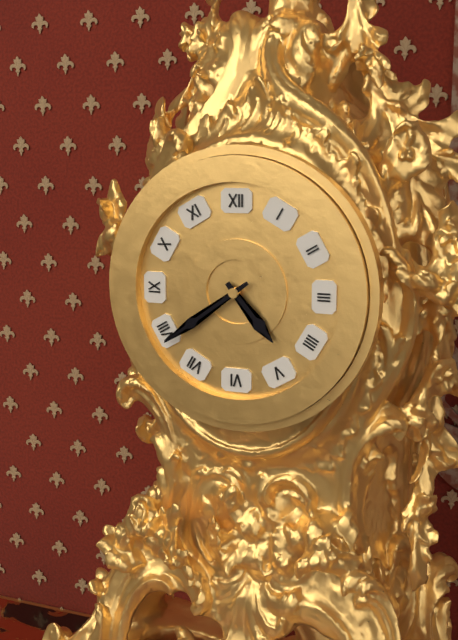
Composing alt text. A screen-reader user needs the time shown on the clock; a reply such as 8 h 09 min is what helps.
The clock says 4 h 39 min
